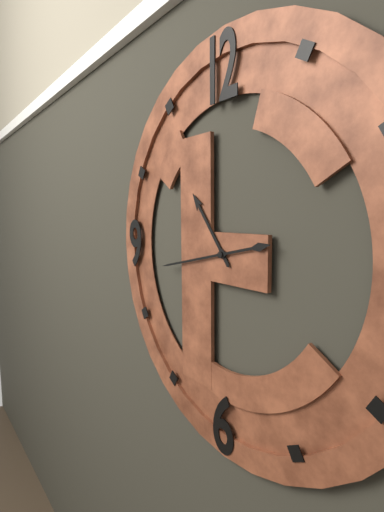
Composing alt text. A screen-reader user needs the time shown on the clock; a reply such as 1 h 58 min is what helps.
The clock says 10 h 43 min
